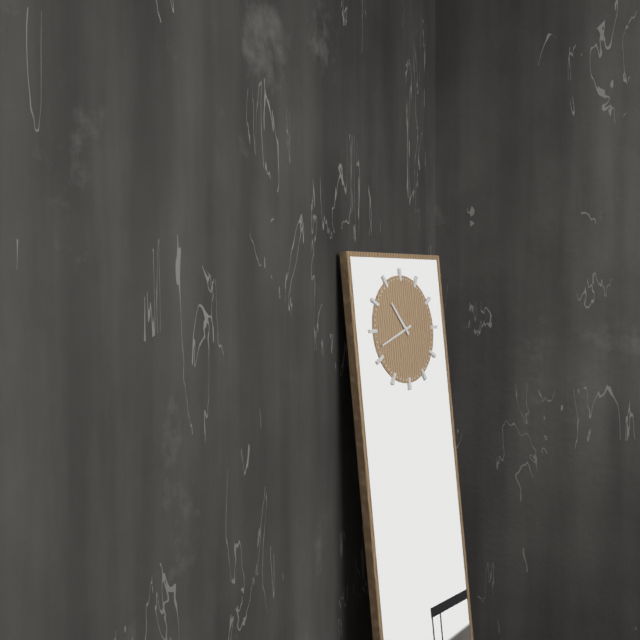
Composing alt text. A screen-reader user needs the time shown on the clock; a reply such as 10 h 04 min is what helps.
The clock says 10 h 42 min
